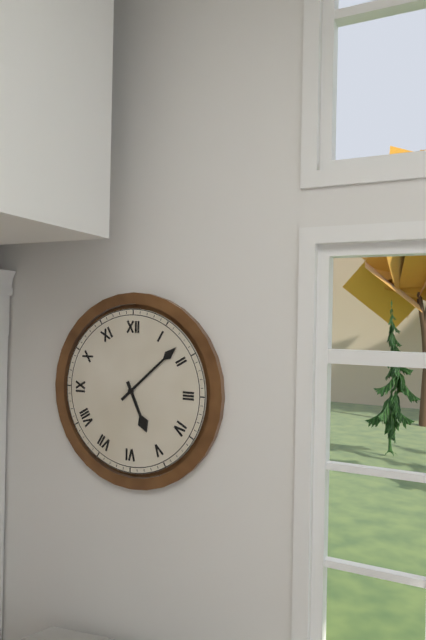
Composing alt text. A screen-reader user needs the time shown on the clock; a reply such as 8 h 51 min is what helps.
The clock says 5 h 08 min
